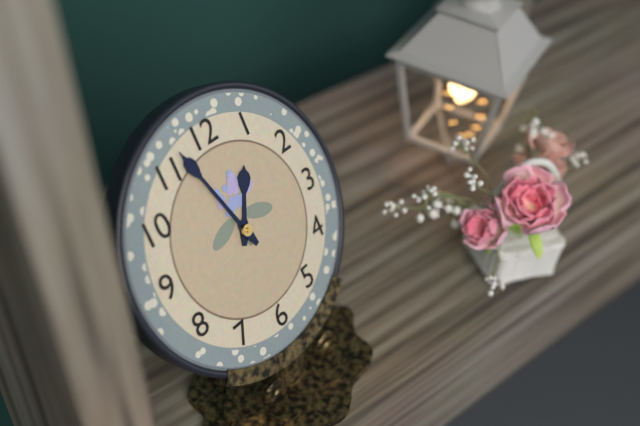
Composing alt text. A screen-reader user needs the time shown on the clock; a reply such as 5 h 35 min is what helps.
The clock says 12 h 57 min
